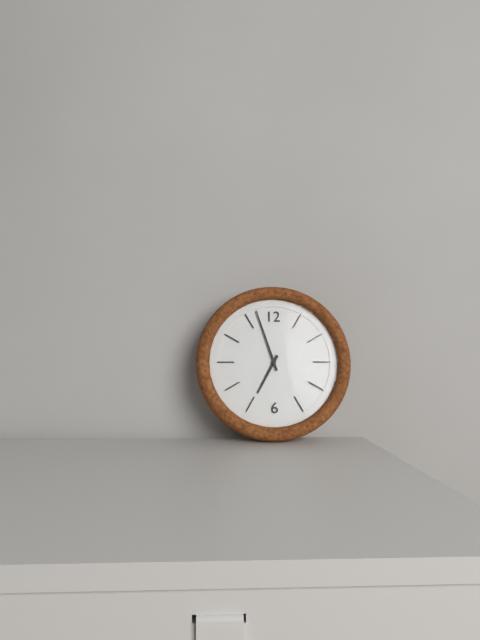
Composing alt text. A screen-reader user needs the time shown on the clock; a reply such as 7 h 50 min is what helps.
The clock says 6 h 57 min
